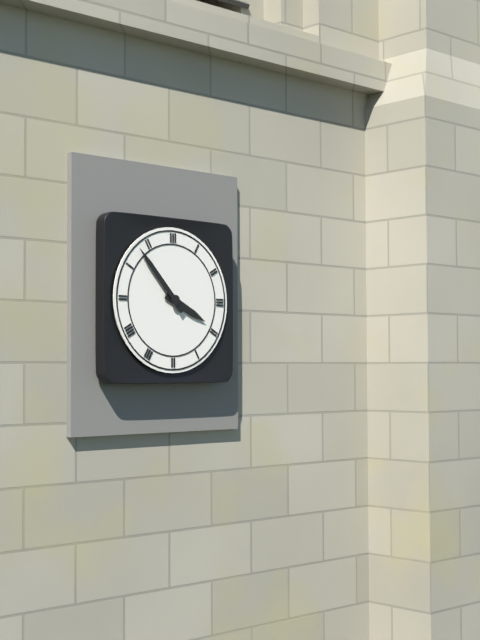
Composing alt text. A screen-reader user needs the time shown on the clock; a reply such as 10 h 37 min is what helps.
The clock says 3 h 53 min
